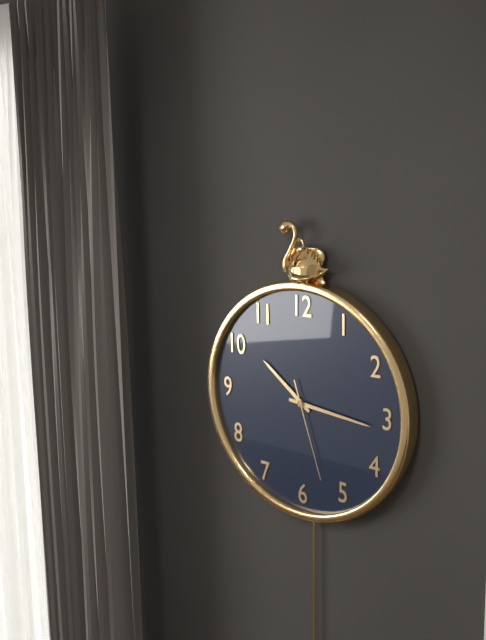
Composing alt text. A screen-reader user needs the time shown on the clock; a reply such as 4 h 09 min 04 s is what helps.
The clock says 10 h 16 min 27 s
